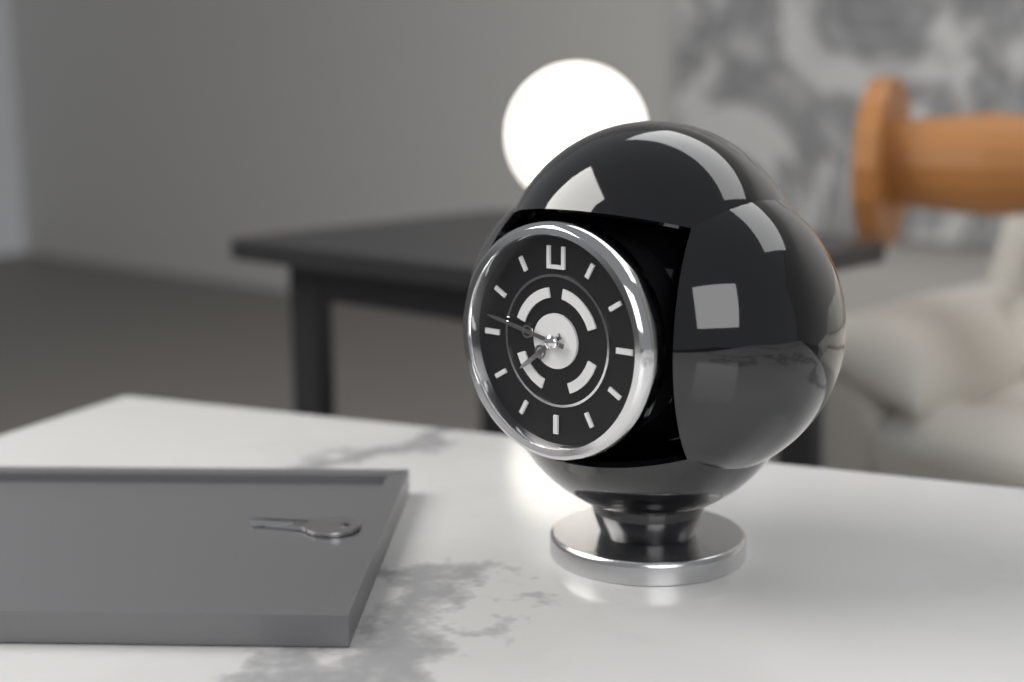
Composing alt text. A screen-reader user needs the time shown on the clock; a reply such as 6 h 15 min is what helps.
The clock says 7 h 47 min
